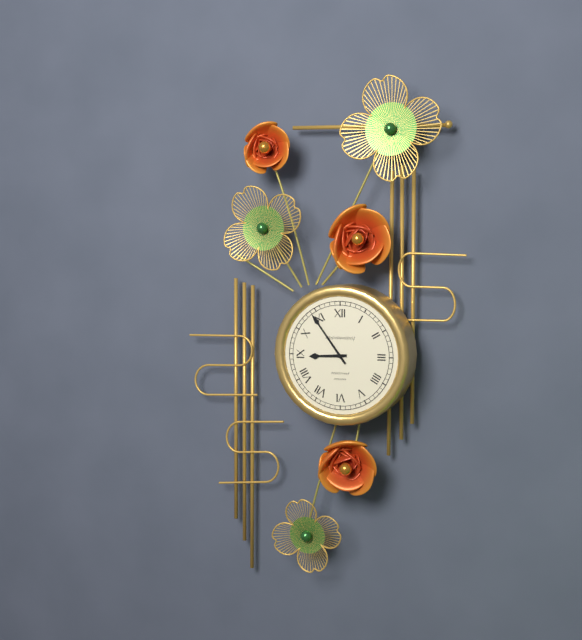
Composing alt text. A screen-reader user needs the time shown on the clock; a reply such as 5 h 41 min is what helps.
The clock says 8 h 54 min
